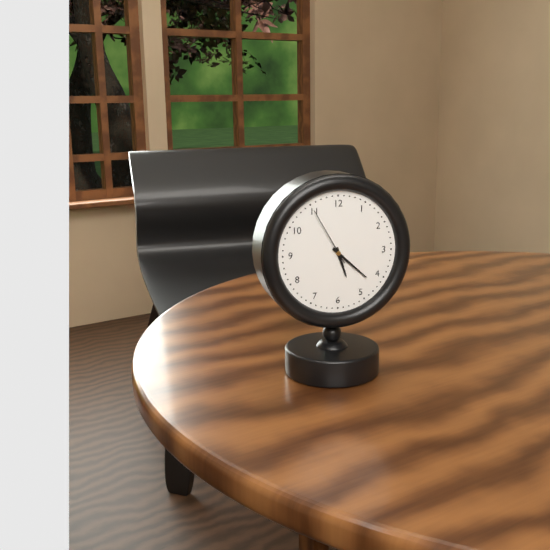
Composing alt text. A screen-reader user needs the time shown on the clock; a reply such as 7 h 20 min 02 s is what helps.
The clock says 5 h 22 min 55 s
